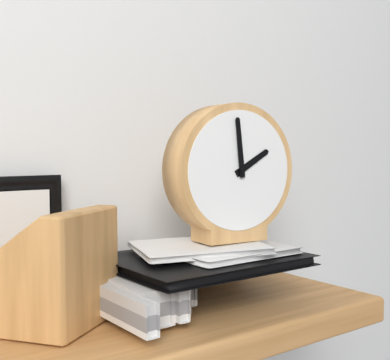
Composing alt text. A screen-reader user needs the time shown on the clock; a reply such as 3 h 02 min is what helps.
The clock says 1 h 59 min
